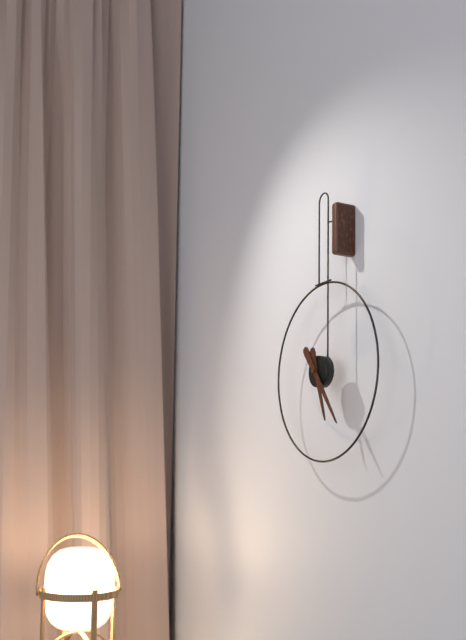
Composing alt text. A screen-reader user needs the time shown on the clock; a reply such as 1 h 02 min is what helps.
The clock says 5 h 24 min
